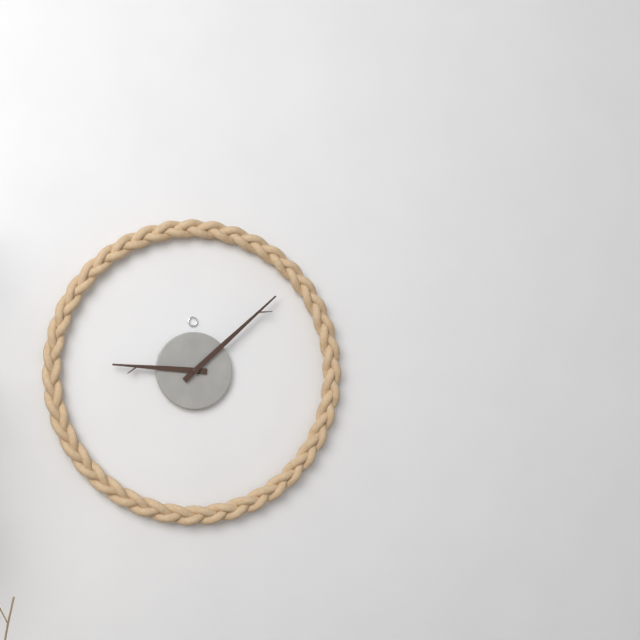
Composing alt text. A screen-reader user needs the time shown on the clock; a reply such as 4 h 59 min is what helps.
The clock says 9 h 08 min
